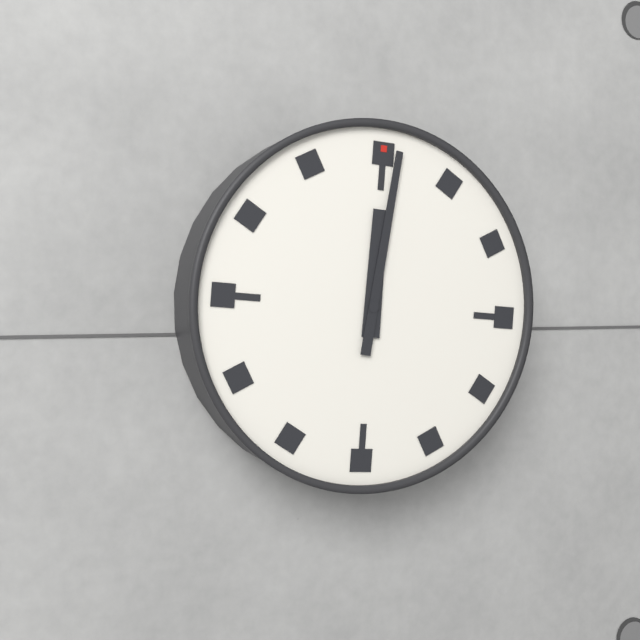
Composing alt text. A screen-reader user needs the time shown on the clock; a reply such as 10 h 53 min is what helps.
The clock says 12 h 01 min
